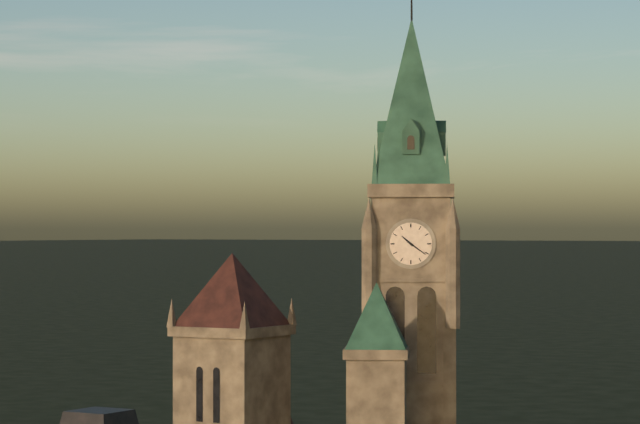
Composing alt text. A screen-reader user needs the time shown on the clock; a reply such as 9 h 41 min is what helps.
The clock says 10 h 21 min
